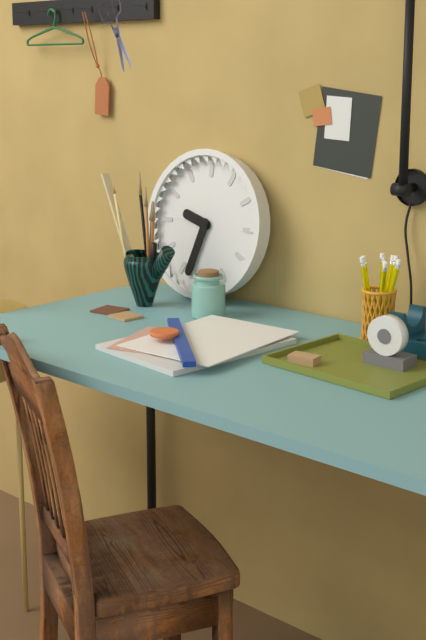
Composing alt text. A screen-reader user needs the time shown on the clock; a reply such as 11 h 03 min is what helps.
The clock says 9 h 33 min
